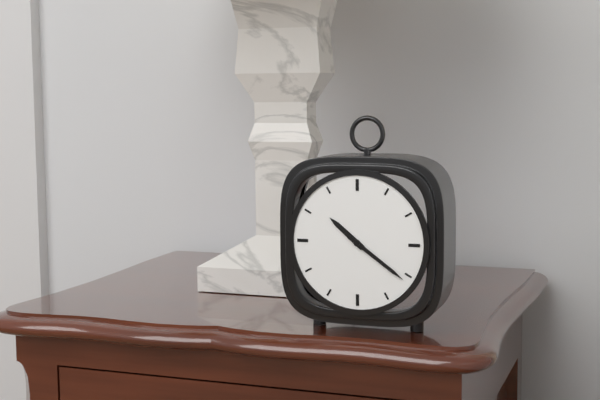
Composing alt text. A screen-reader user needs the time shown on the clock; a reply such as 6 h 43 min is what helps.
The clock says 10 h 21 min
